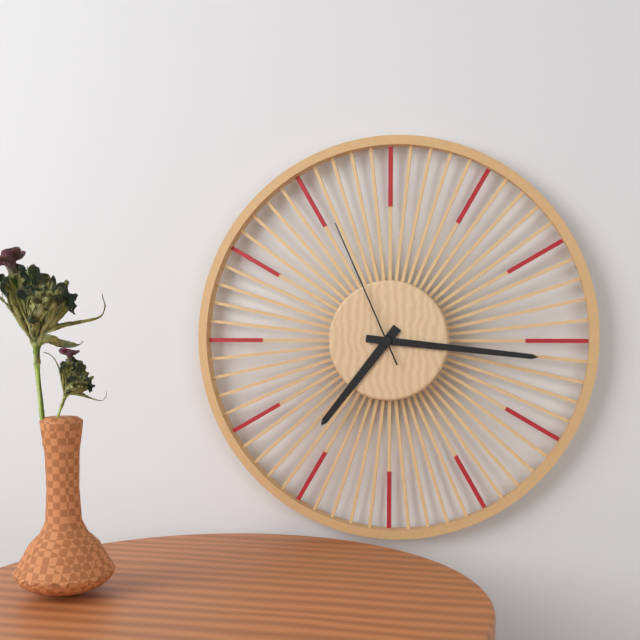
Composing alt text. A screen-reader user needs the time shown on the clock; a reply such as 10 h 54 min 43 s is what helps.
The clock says 7 h 16 min 56 s
